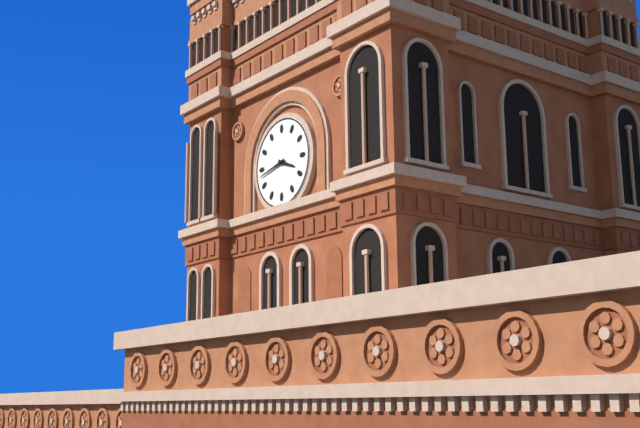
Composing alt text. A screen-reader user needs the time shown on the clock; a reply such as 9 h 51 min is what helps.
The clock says 3 h 43 min
